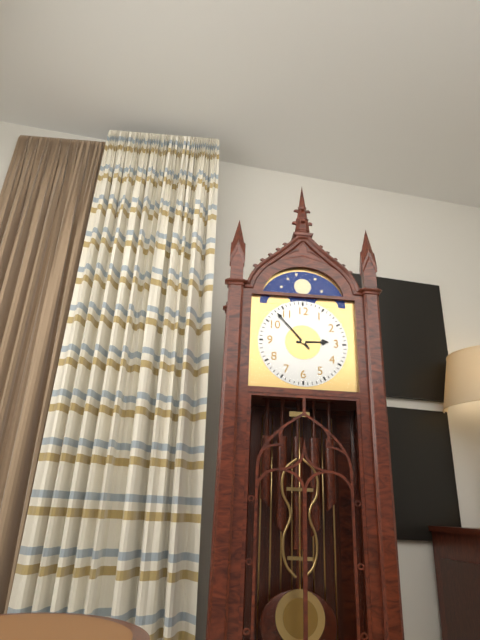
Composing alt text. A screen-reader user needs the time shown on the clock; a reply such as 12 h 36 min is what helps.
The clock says 2 h 53 min
